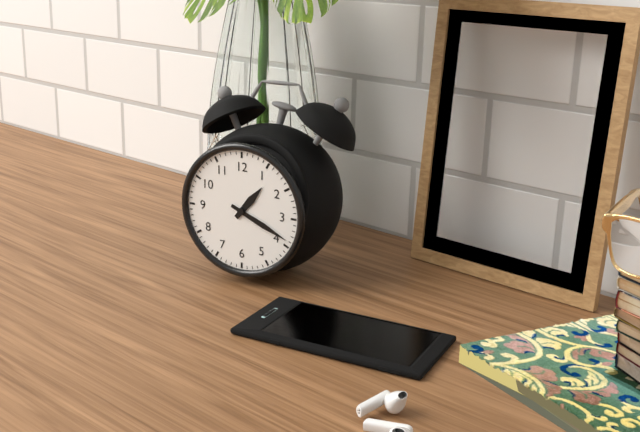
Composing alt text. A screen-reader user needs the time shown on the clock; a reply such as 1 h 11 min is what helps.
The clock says 1 h 19 min
